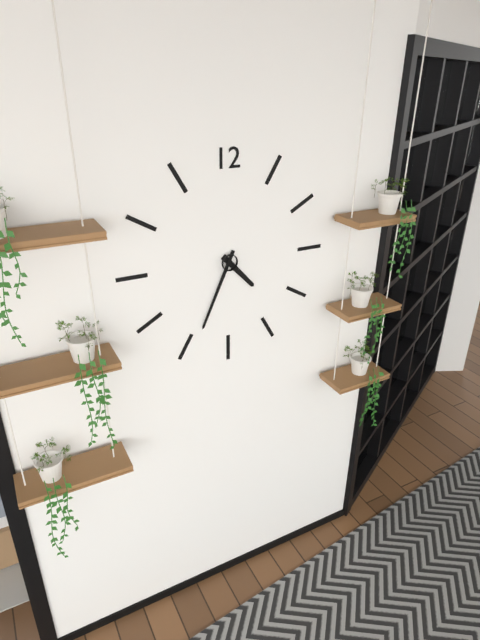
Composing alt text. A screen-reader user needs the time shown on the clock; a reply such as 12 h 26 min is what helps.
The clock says 4 h 34 min
